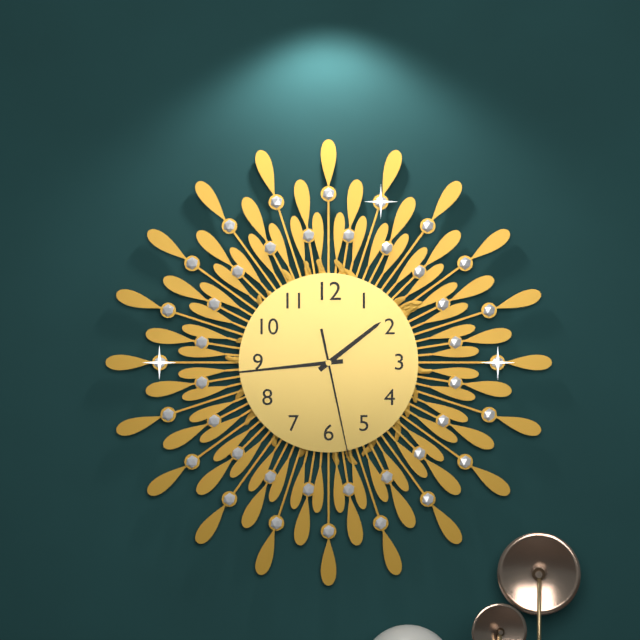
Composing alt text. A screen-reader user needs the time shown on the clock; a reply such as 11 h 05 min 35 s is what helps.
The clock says 1 h 44 min 28 s
